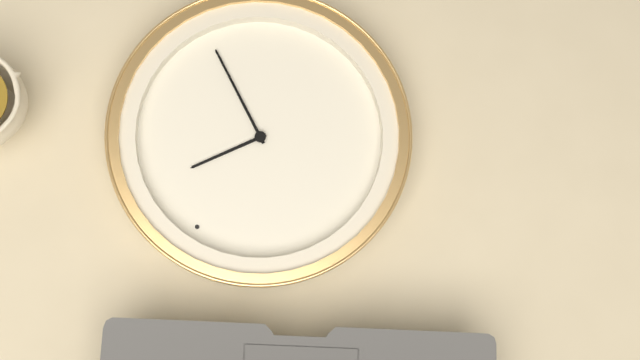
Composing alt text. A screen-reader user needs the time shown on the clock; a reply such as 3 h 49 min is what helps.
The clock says 12 h 16 min
